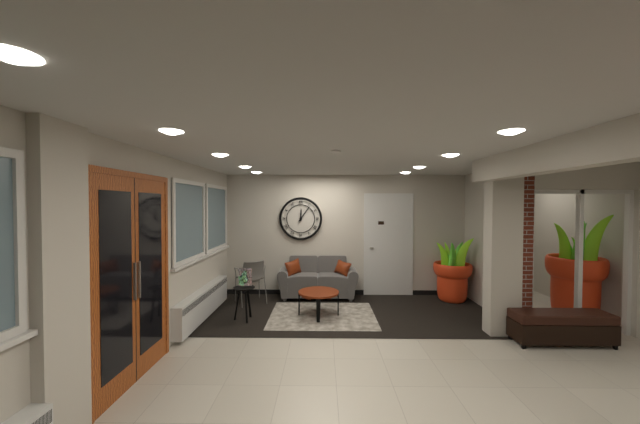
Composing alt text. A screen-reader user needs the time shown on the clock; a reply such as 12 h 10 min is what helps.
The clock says 12 h 06 min
